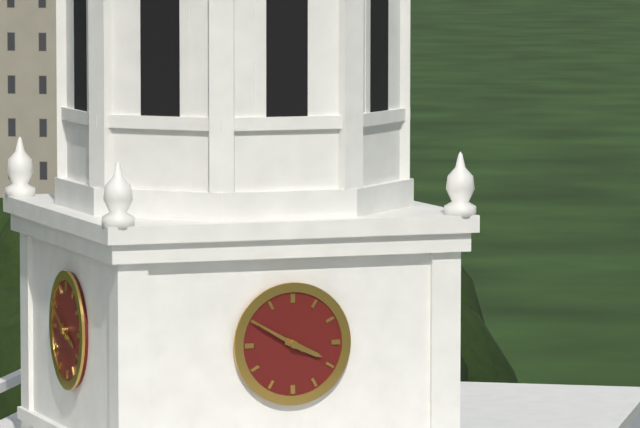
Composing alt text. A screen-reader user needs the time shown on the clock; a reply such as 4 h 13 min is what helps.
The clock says 3 h 50 min
